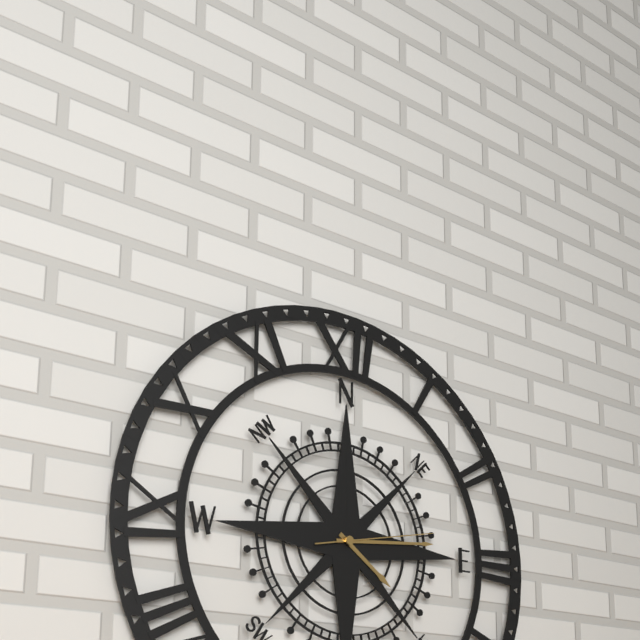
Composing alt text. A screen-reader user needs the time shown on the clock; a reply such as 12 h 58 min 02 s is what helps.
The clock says 4 h 14 min 13 s
